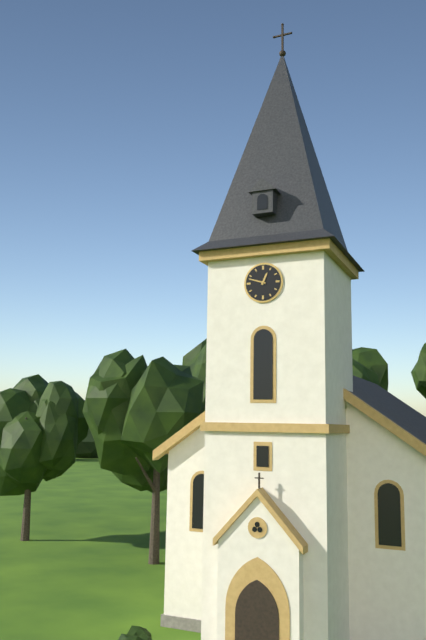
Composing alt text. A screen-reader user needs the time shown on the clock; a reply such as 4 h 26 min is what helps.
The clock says 12 h 48 min
